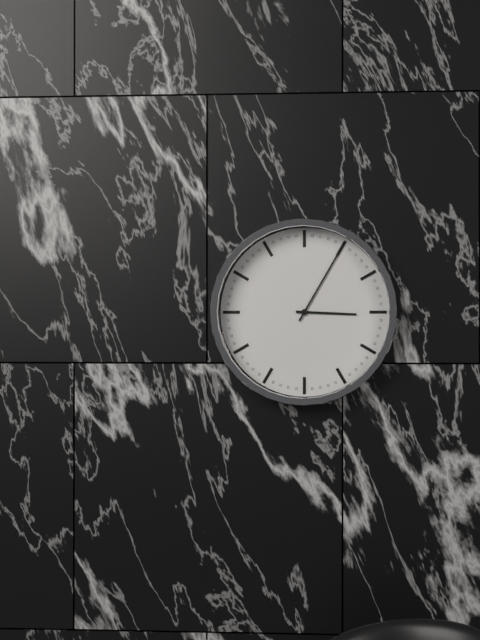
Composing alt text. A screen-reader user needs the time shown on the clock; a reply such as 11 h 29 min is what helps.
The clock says 3 h 05 min
